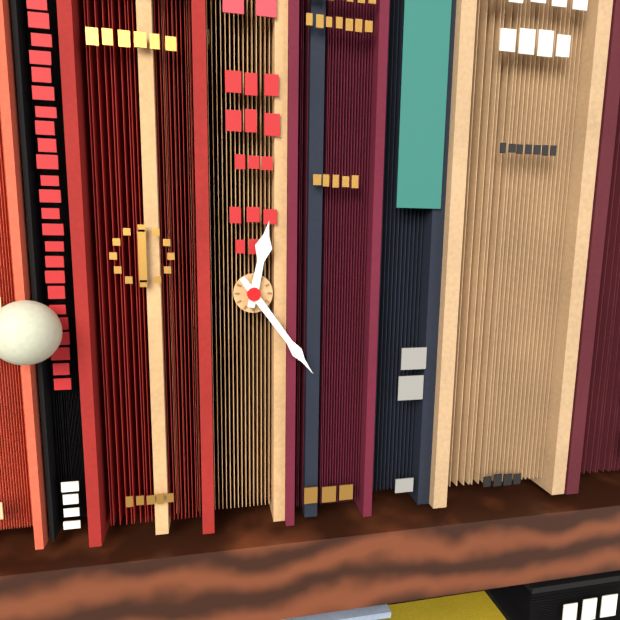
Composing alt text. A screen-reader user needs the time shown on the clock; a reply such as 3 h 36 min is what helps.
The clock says 12 h 24 min
